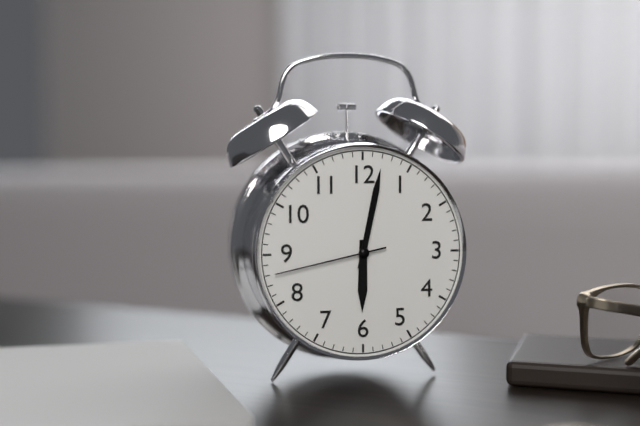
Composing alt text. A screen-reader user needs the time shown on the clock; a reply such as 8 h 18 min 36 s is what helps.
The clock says 6 h 02 min 43 s
